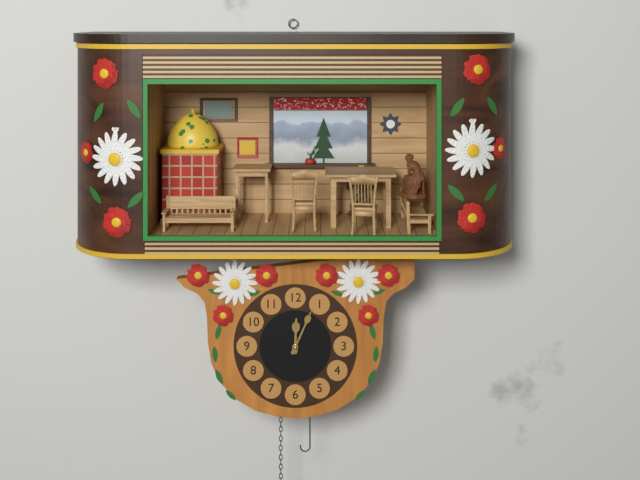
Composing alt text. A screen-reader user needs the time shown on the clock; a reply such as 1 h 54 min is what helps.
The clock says 12 h 04 min
